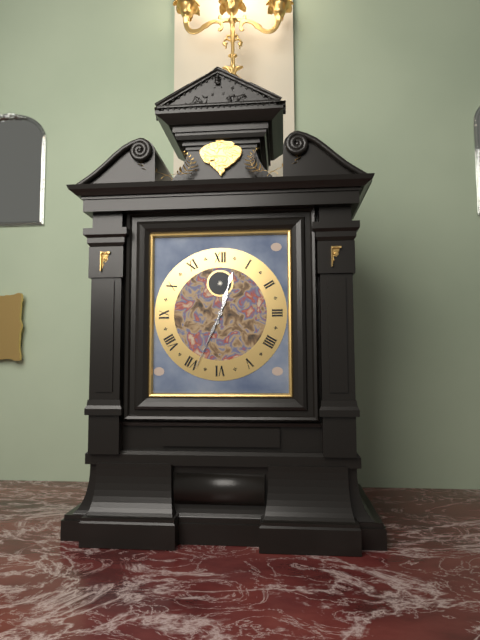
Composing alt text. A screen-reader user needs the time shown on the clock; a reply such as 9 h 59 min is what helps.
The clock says 12 h 34 min
